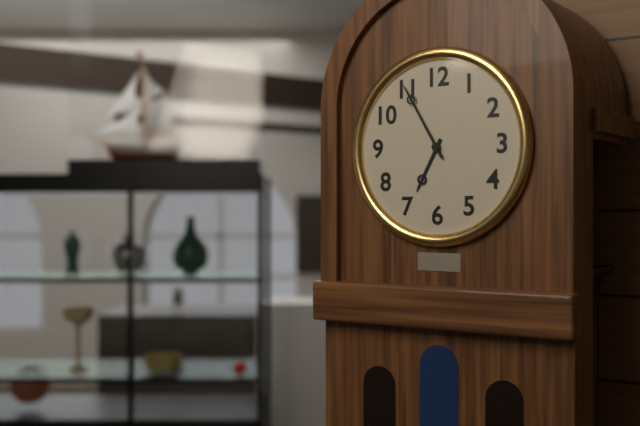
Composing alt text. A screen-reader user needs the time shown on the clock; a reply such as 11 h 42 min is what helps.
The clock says 6 h 55 min
